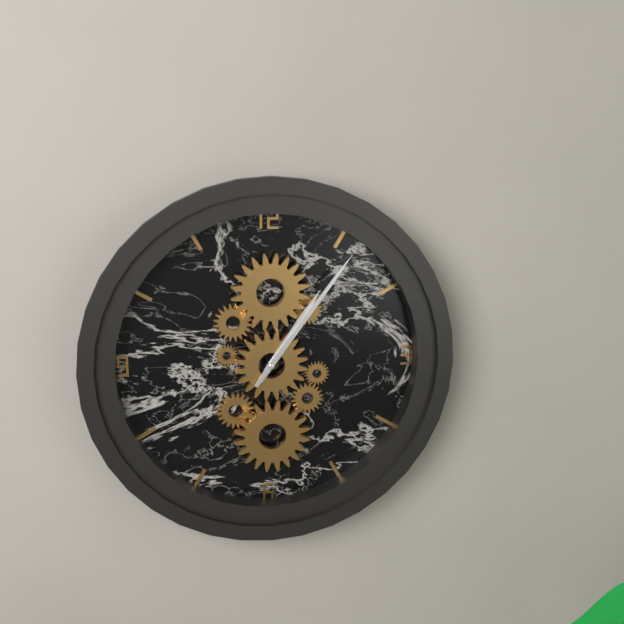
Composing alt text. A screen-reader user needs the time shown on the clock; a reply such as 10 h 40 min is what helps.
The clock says 1 h 06 min
